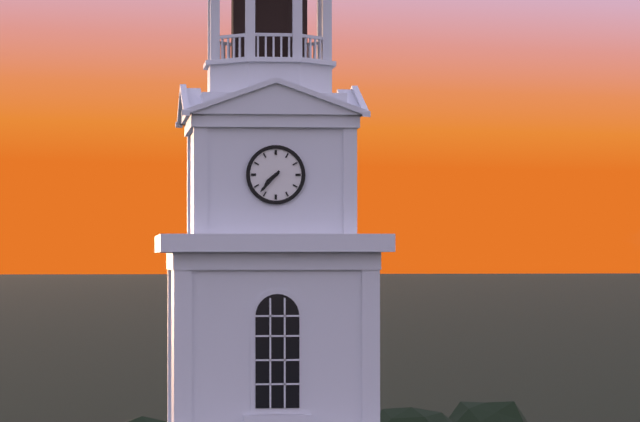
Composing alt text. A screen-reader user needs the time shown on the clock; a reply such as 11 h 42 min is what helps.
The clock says 7 h 37 min
